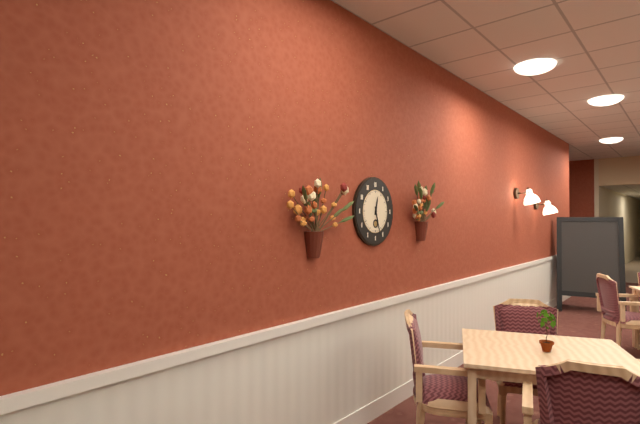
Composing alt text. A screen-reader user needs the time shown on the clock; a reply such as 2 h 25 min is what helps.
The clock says 12 h 27 min
